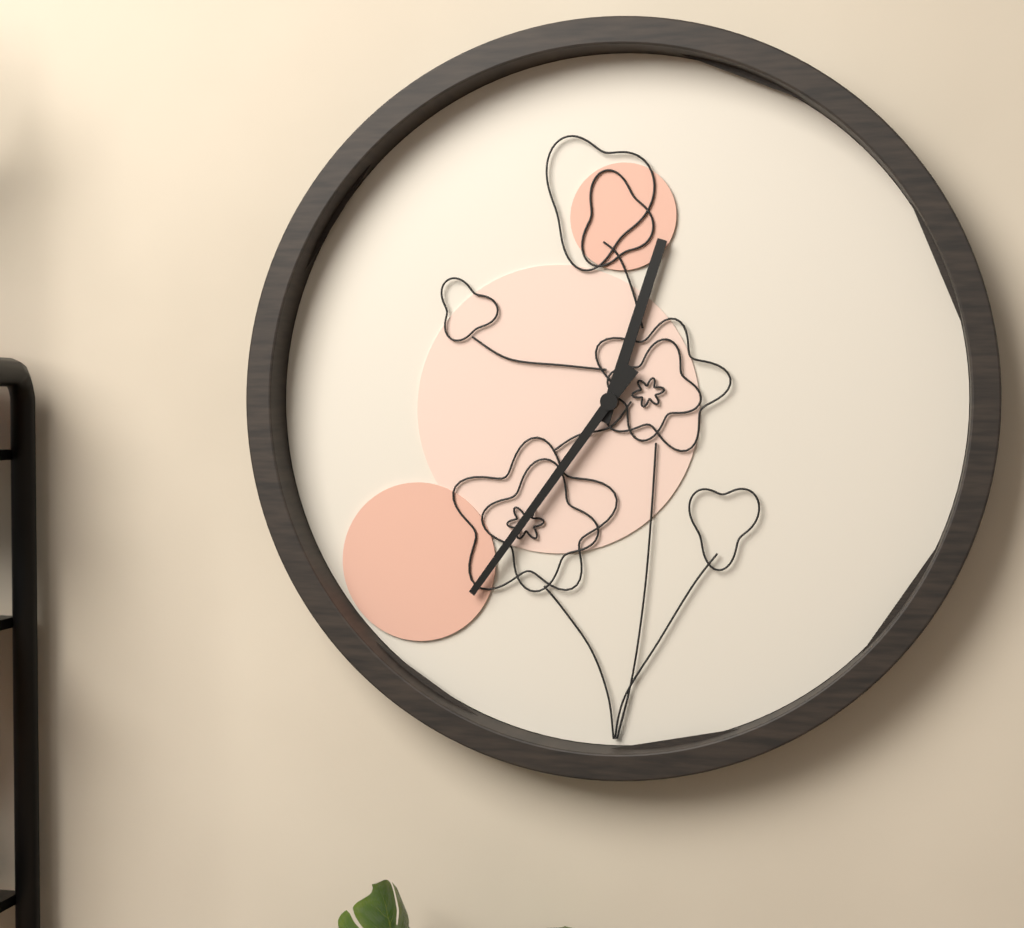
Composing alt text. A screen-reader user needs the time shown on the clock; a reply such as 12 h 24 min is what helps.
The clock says 12 h 36 min
